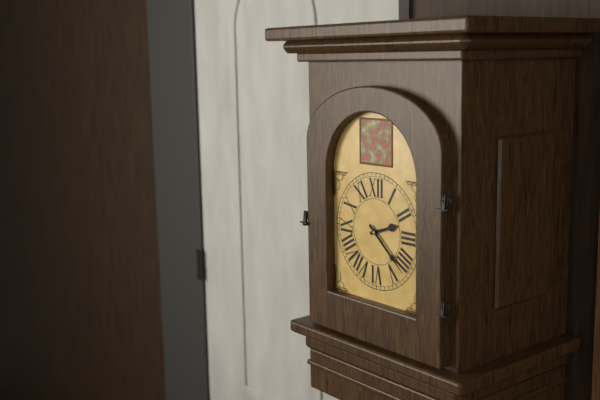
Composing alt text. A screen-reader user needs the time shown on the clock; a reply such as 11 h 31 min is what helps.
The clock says 2 h 22 min
